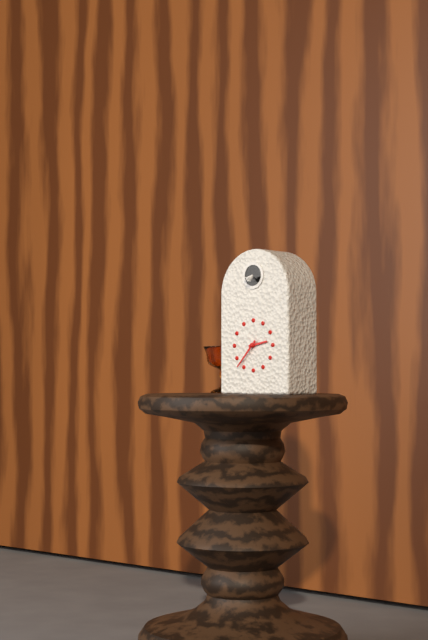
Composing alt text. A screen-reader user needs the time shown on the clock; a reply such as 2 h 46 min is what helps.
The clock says 2 h 37 min
